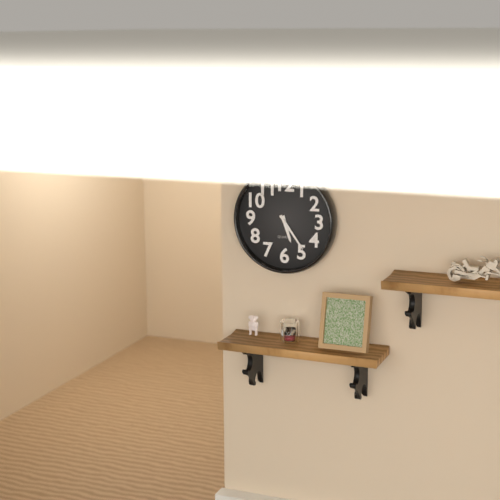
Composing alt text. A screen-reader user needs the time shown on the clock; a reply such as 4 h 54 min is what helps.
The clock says 5 h 24 min
